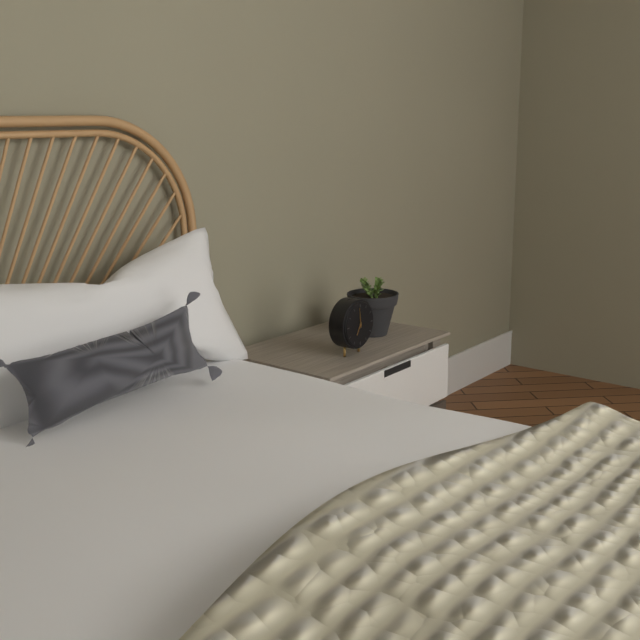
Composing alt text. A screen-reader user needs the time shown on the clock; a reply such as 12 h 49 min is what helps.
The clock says 6 h 59 min
